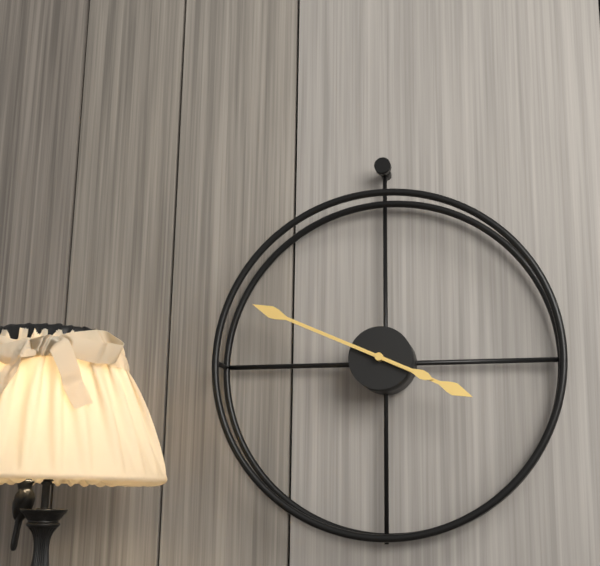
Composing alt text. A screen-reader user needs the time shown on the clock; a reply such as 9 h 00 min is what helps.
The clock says 3 h 49 min
